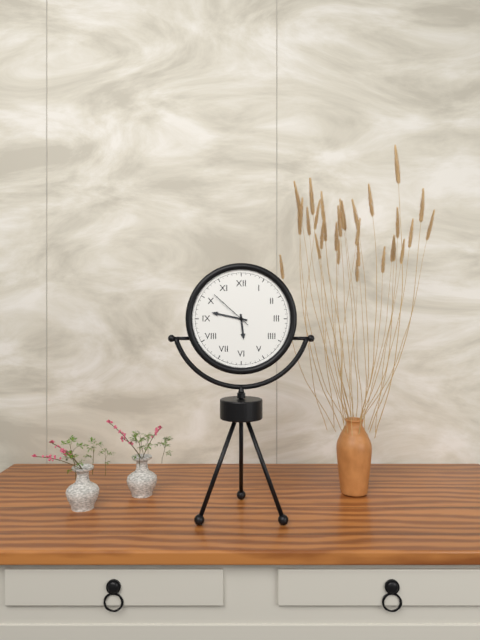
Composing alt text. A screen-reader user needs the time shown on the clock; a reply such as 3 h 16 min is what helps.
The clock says 5 h 47 min
